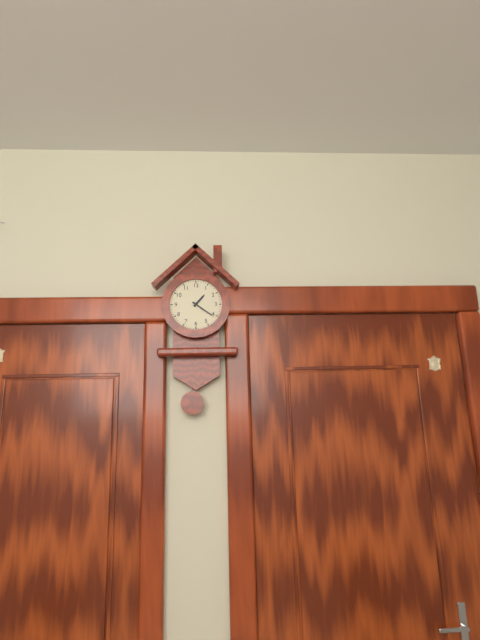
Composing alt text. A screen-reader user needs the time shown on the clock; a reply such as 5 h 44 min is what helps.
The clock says 1 h 21 min
